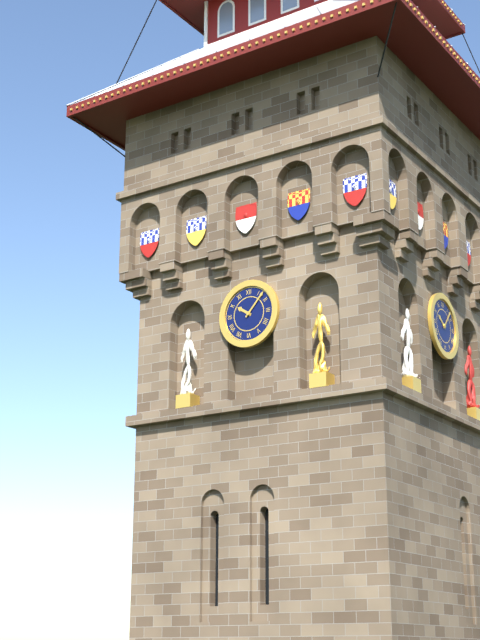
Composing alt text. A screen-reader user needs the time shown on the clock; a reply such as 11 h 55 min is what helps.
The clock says 10 h 07 min
